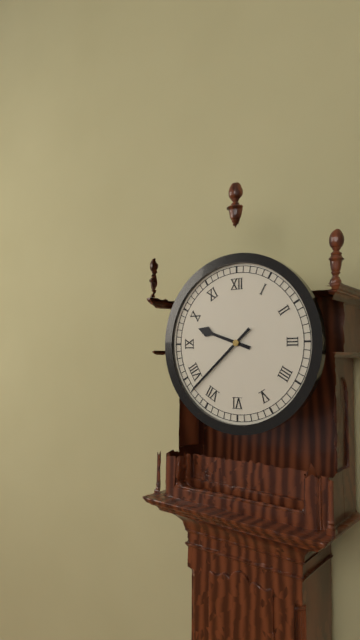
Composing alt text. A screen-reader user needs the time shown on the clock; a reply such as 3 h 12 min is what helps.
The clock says 9 h 38 min
